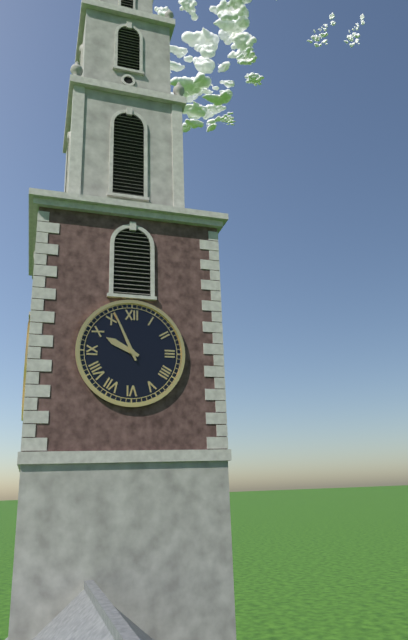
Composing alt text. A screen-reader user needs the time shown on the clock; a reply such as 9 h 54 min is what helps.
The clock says 9 h 56 min
